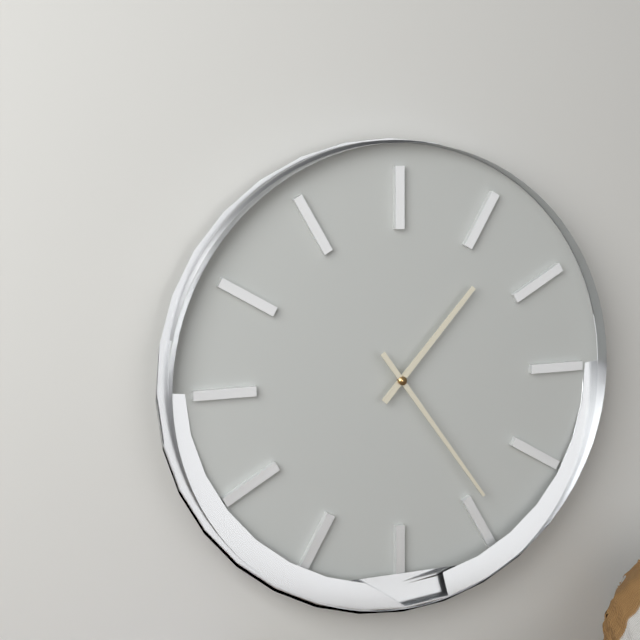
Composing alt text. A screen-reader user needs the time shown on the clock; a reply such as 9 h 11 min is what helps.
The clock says 1 h 24 min
